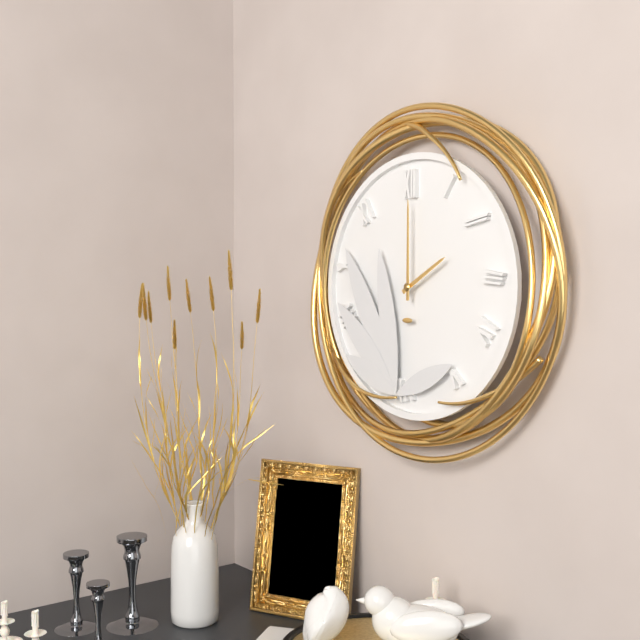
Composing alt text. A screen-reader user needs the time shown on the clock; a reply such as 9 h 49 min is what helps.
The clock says 2 h 00 min
